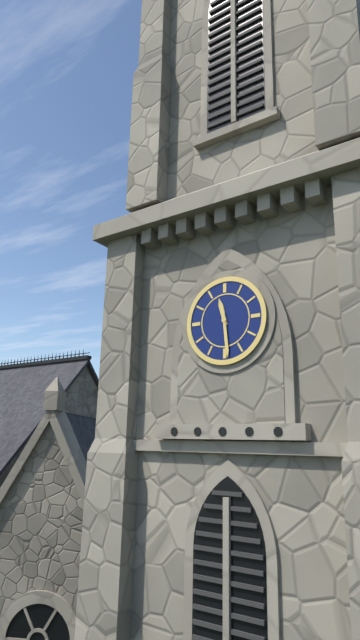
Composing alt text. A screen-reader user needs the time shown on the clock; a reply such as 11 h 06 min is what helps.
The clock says 11 h 29 min
